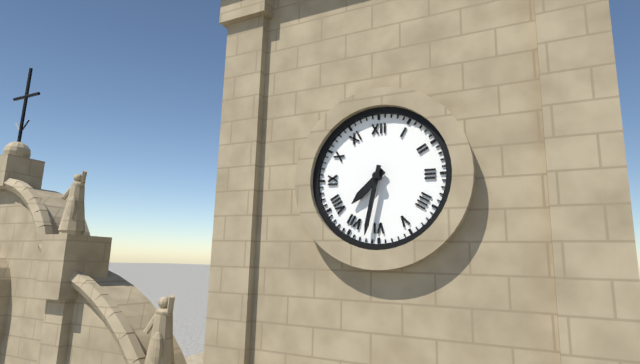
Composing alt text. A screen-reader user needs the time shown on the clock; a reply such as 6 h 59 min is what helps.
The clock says 7 h 32 min
